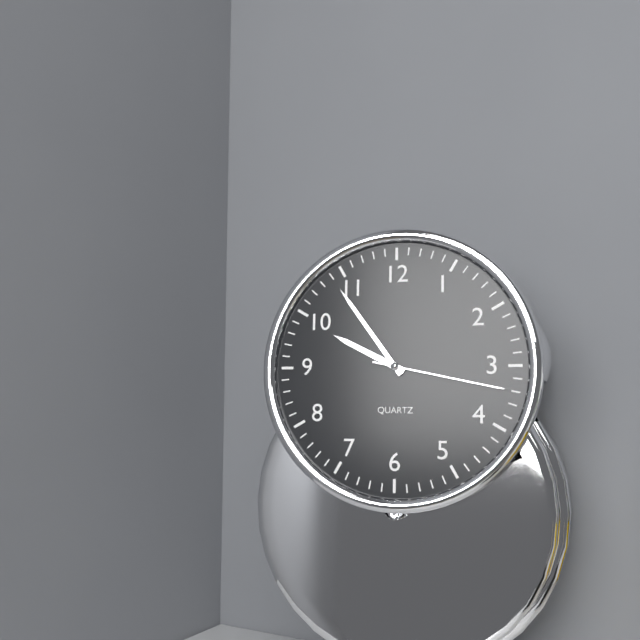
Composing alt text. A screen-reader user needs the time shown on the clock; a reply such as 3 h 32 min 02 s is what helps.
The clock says 9 h 54 min 17 s
